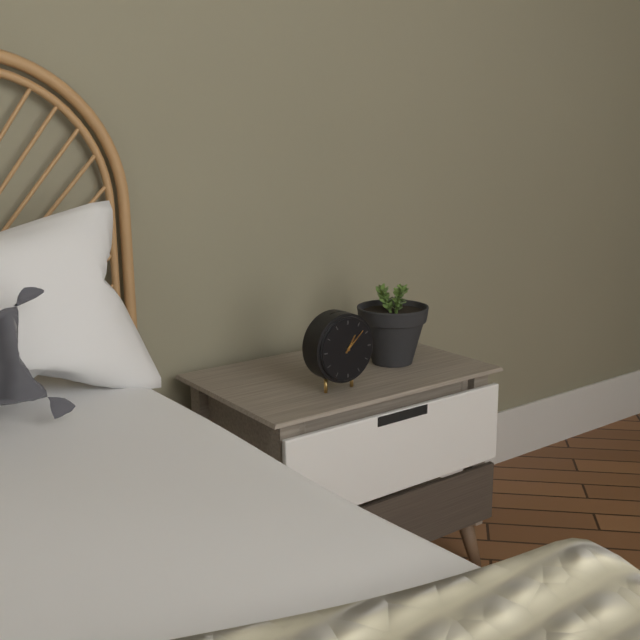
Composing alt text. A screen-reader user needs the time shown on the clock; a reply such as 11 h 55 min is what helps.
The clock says 1 h 08 min
